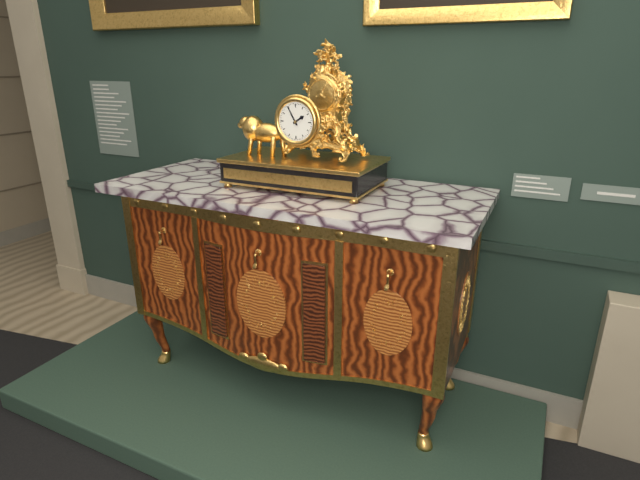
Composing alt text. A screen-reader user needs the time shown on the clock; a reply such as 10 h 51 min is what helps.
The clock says 1 h 55 min
